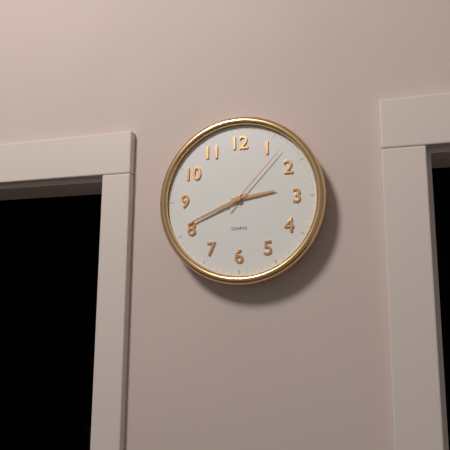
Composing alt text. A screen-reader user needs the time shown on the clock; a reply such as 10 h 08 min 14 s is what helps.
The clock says 2 h 41 min 07 s
